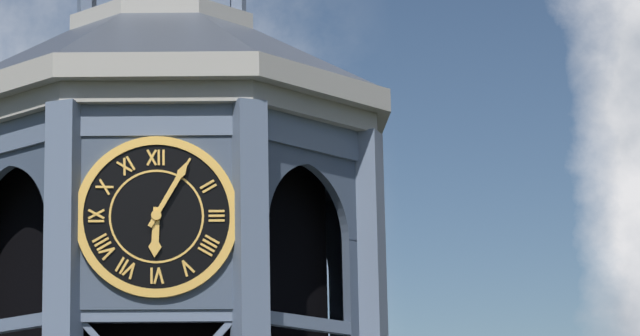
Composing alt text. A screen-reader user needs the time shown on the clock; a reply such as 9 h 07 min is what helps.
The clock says 6 h 05 min
